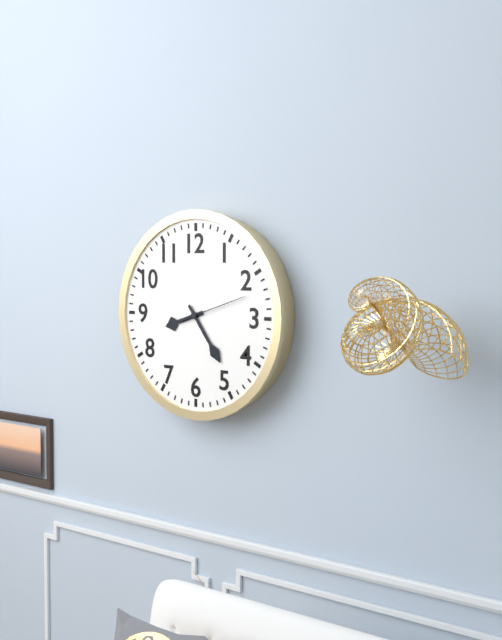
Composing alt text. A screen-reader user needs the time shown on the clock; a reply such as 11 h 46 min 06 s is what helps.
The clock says 8 h 24 min 12 s
